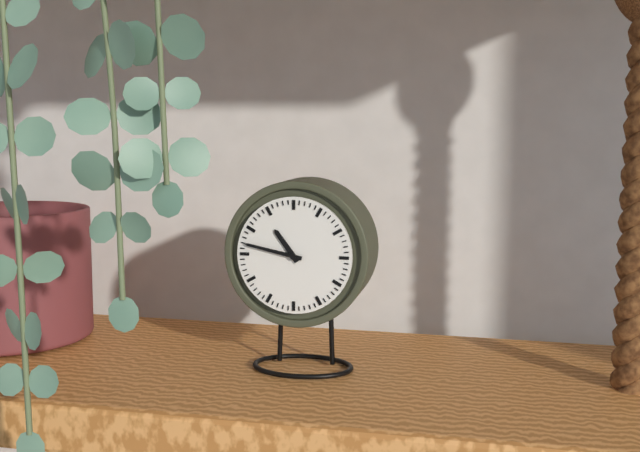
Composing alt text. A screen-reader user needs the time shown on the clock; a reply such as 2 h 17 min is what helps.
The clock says 10 h 47 min
